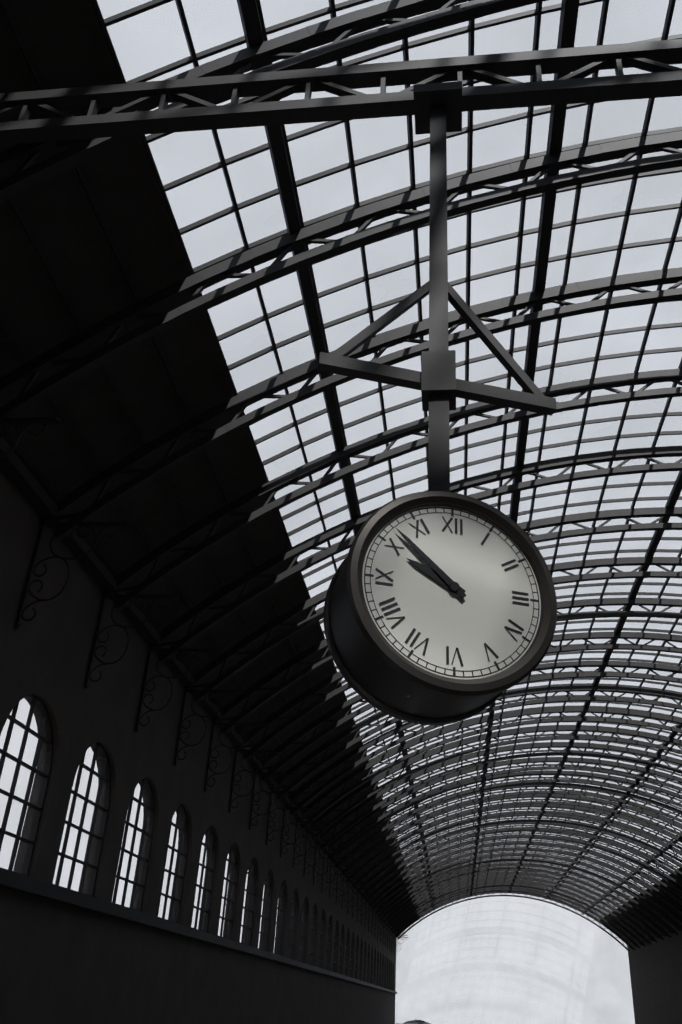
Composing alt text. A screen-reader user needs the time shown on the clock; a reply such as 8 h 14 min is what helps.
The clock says 9 h 52 min
